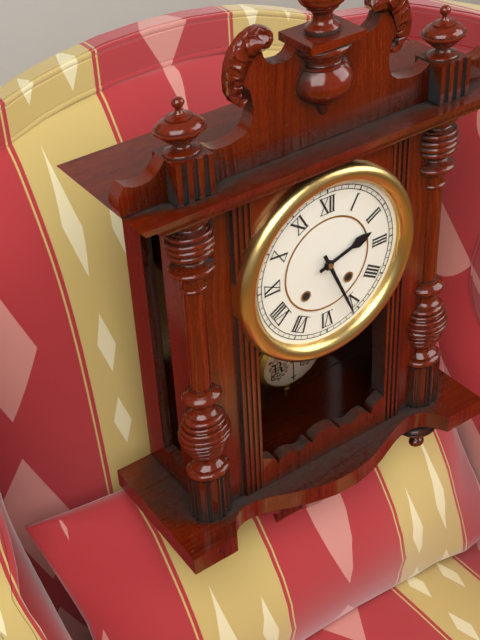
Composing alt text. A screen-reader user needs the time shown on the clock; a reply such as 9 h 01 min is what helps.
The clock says 2 h 26 min
